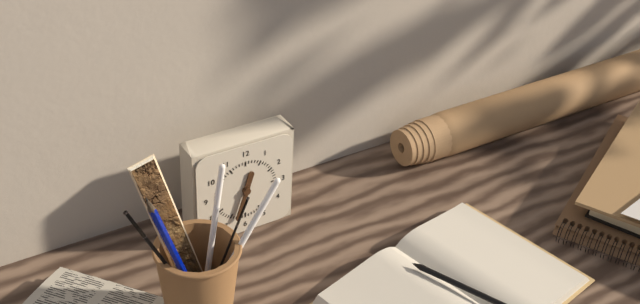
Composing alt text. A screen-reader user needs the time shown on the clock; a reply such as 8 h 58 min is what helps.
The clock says 12 h 33 min
